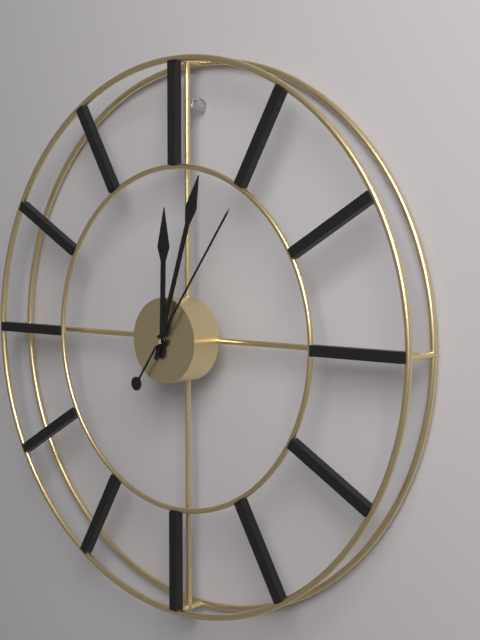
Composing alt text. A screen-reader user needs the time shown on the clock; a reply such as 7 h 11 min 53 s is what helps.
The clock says 12 h 03 min 06 s
